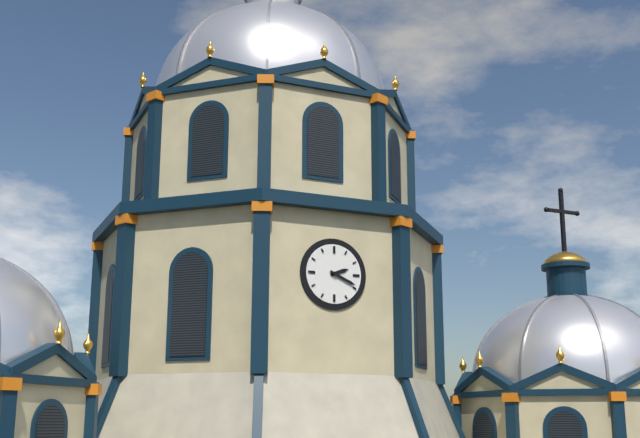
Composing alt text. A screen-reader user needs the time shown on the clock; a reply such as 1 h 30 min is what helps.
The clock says 2 h 19 min
